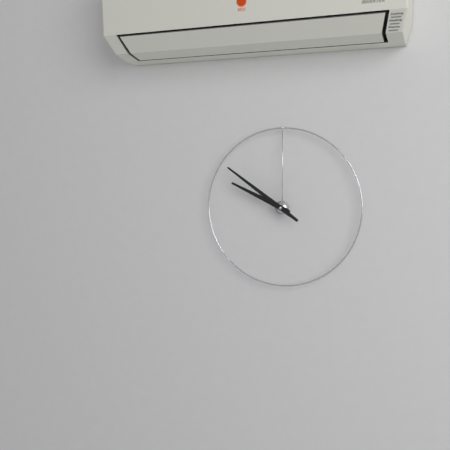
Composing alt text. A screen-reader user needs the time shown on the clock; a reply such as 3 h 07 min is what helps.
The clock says 9 h 51 min
